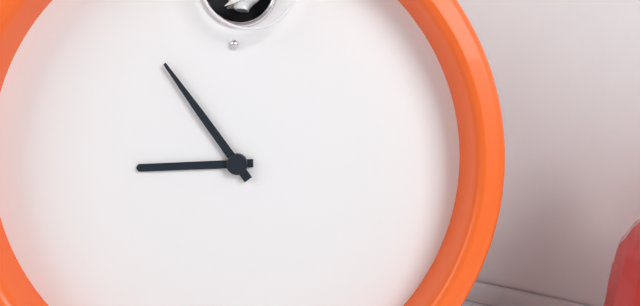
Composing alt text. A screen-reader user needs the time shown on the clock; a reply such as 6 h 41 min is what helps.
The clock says 8 h 54 min
